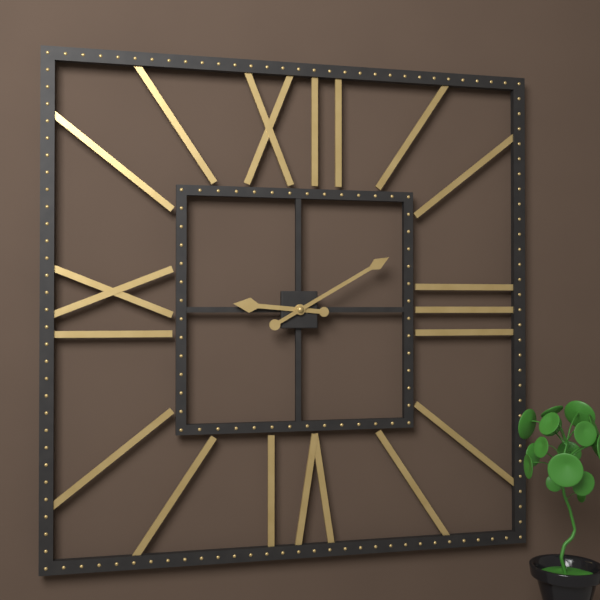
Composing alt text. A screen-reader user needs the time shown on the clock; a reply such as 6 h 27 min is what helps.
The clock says 9 h 10 min
